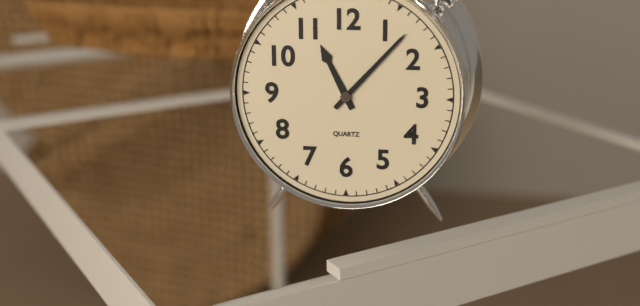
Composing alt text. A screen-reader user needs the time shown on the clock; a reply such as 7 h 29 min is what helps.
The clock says 11 h 07 min
